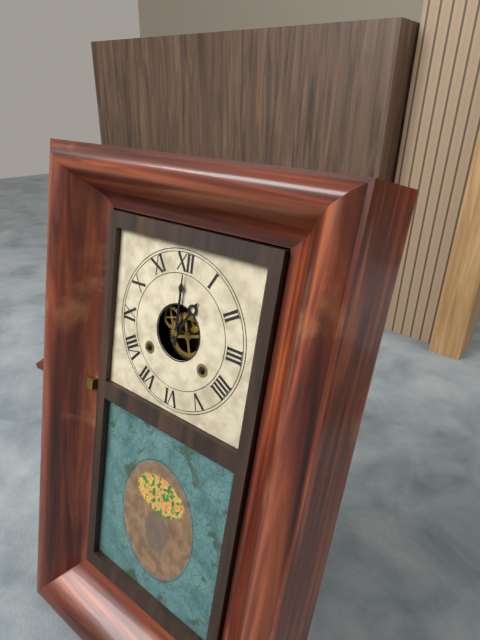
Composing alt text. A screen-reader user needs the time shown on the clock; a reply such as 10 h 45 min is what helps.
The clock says 1 h 00 min
